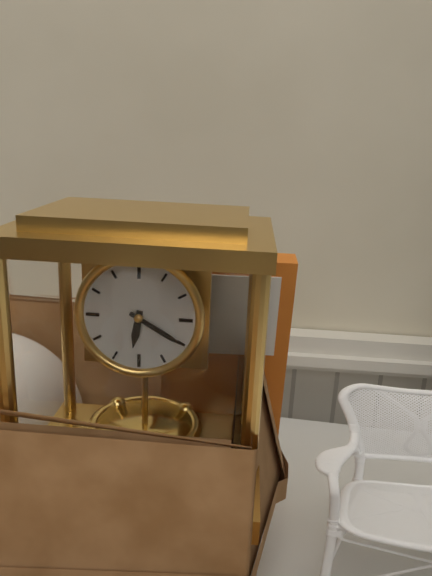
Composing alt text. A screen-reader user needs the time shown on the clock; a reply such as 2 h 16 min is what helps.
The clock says 6 h 20 min
